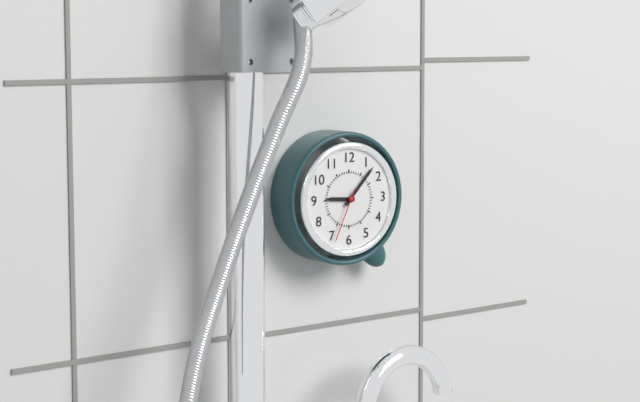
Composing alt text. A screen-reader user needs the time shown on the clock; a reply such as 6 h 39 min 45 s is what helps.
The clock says 9 h 07 min 34 s
